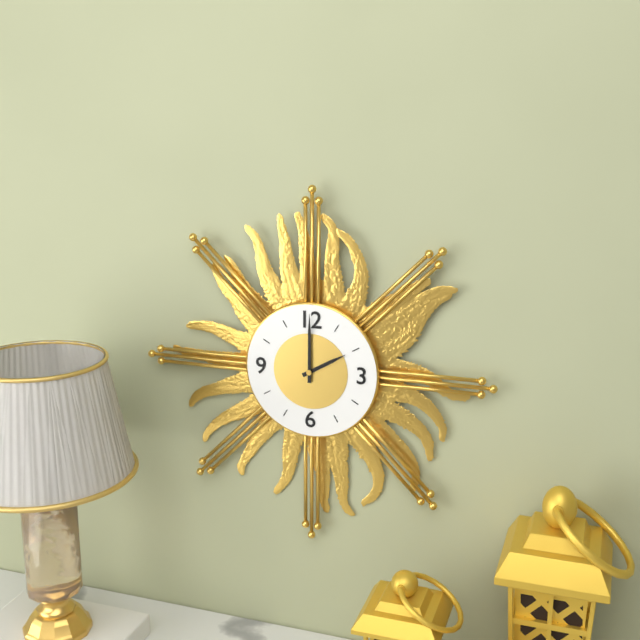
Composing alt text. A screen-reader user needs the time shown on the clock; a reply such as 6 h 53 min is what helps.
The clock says 2 h 00 min
